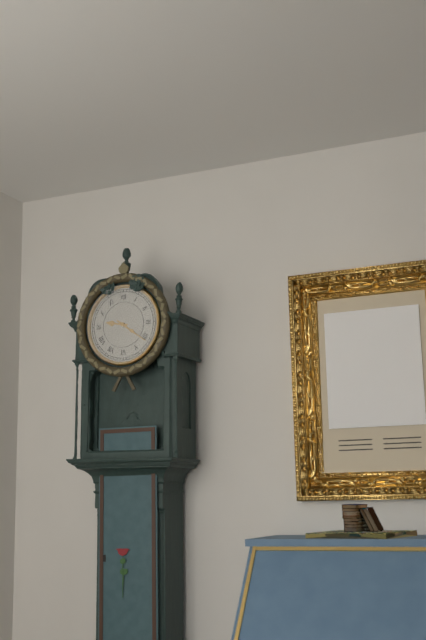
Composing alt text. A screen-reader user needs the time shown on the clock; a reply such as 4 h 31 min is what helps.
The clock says 9 h 21 min
